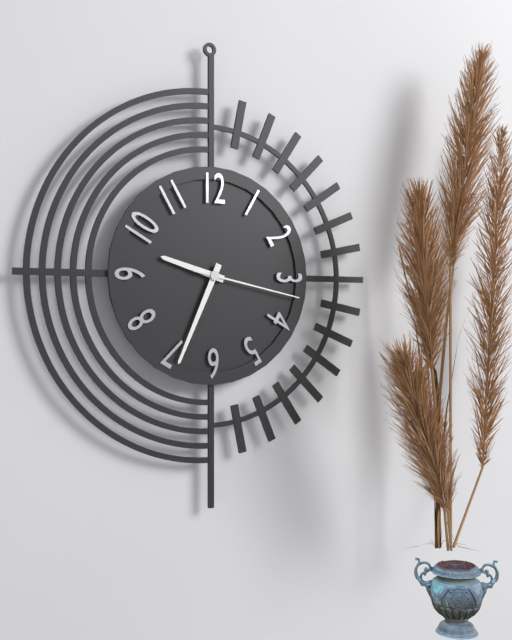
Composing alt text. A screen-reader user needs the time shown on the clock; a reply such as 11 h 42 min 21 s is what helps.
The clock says 9 h 34 min 17 s
